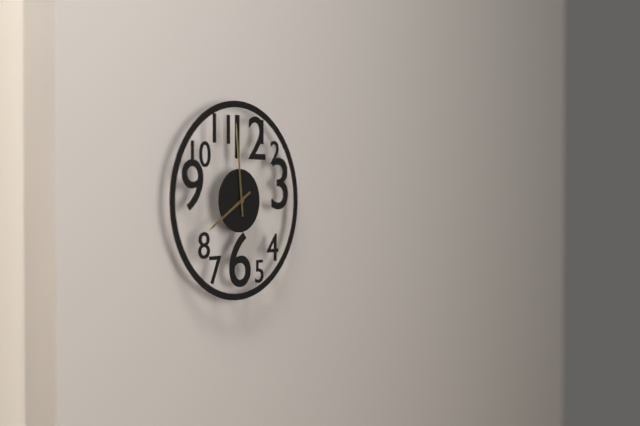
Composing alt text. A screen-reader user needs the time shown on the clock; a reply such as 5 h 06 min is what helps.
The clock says 7 h 59 min
